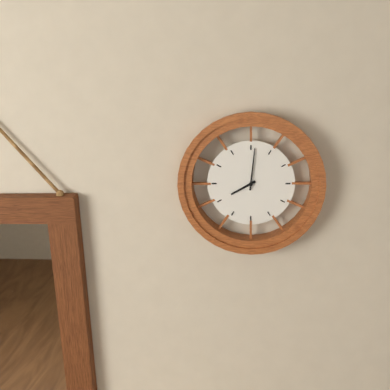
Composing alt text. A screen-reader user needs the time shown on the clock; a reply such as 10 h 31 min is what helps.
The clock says 8 h 01 min
